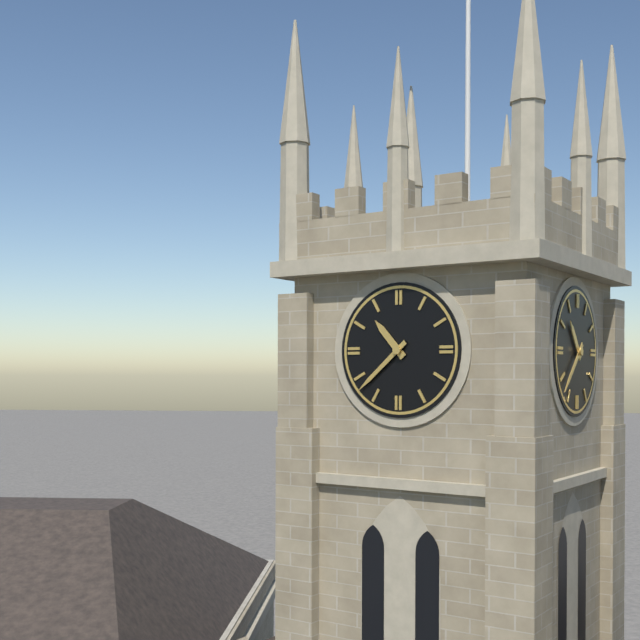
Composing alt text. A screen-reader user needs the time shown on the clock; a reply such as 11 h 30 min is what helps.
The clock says 10 h 38 min
